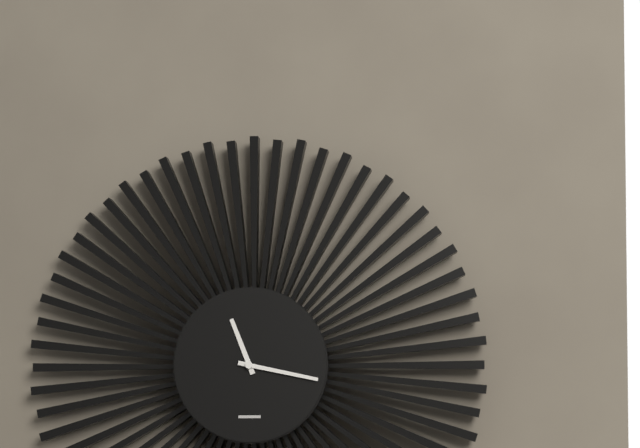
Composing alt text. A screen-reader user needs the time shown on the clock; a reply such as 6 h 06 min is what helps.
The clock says 11 h 17 min
